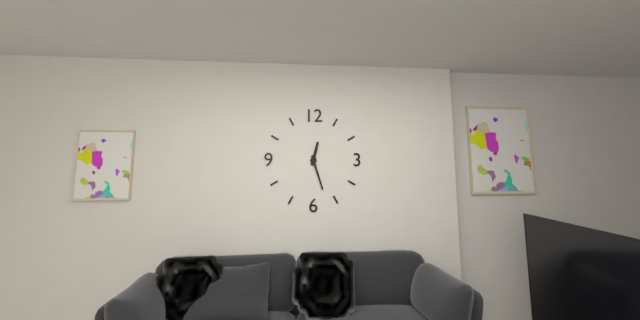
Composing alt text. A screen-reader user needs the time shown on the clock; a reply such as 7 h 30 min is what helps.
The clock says 12 h 27 min
